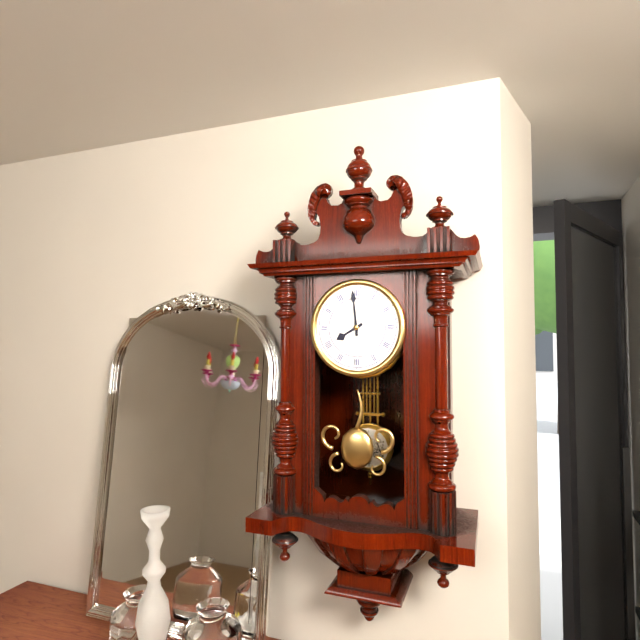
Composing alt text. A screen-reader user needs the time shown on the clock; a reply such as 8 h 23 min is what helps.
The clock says 7 h 59 min
